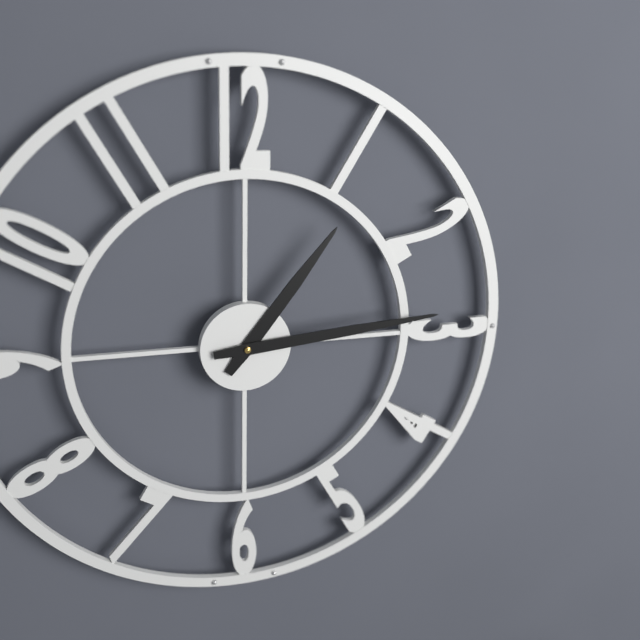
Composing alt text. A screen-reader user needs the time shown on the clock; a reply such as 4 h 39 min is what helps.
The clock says 1 h 14 min
